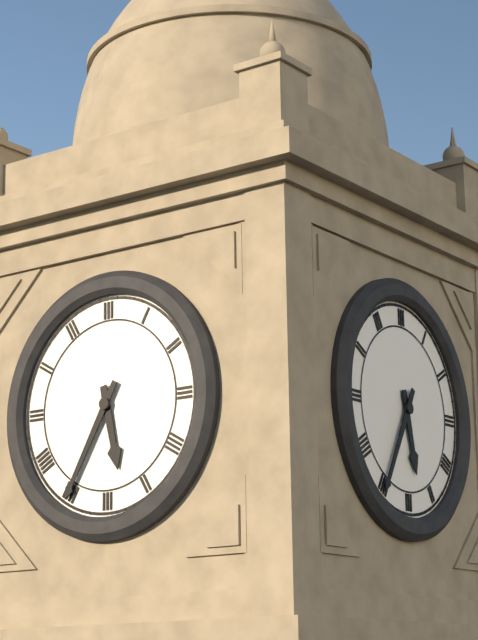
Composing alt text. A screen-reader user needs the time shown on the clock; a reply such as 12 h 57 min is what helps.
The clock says 5 h 35 min
